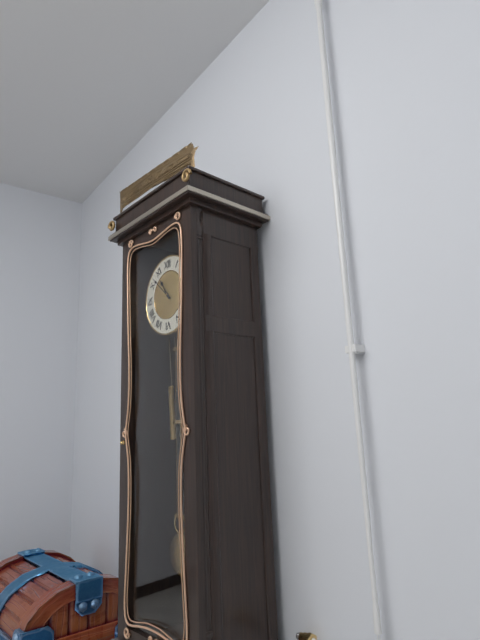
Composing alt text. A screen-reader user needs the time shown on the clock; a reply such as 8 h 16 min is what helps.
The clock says 10 h 52 min
